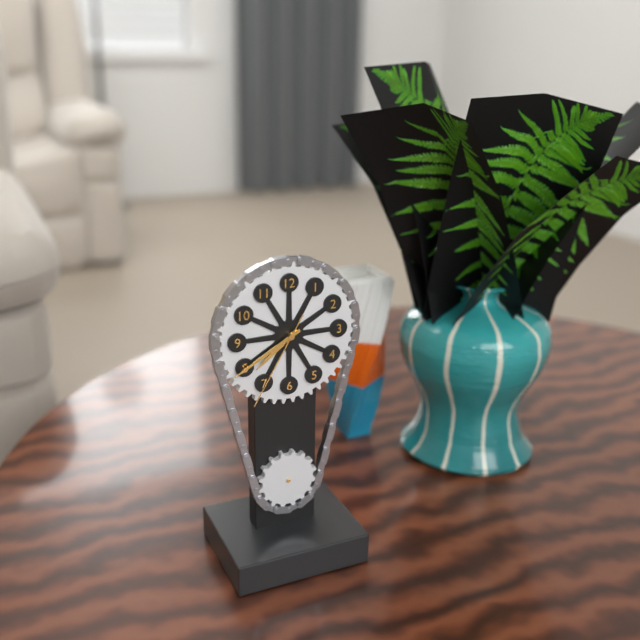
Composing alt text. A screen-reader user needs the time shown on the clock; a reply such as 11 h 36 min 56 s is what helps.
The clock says 7 h 40 min 35 s
